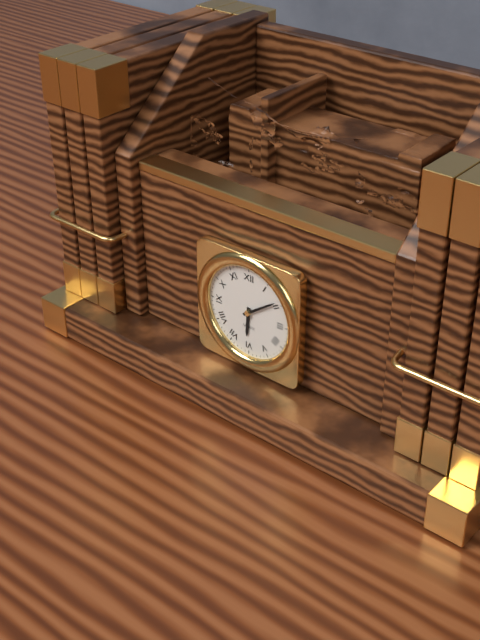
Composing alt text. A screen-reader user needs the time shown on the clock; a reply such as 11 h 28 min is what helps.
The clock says 6 h 09 min
